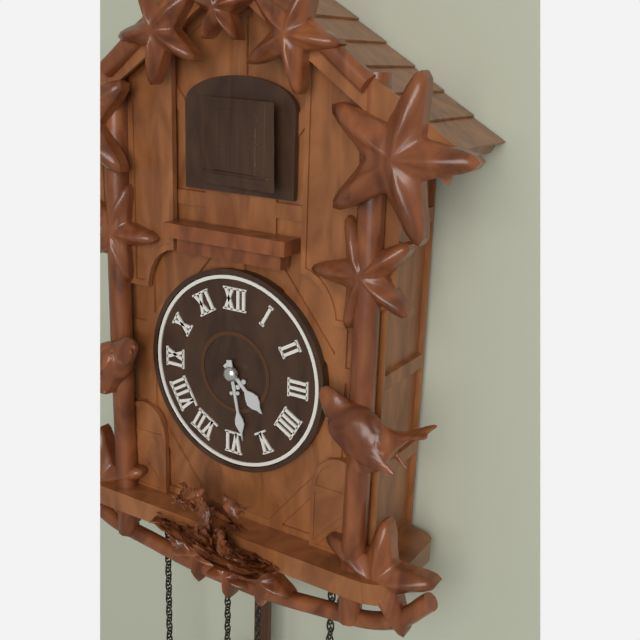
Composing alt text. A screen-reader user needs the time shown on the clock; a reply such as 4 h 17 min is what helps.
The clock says 4 h 28 min
